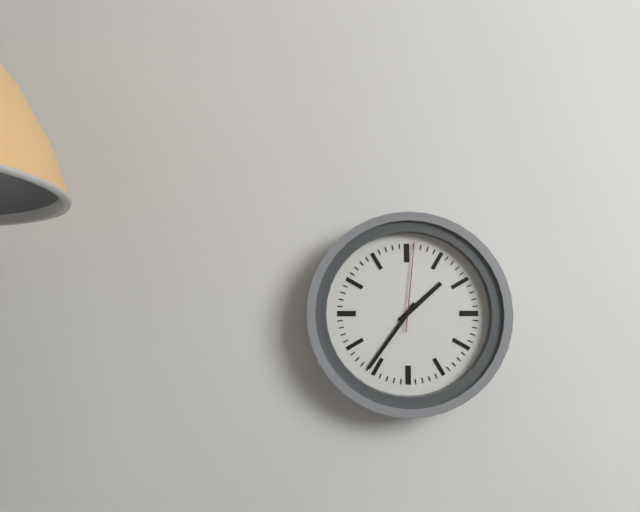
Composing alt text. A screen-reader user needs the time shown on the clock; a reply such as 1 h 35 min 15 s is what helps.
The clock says 1 h 36 min 01 s
